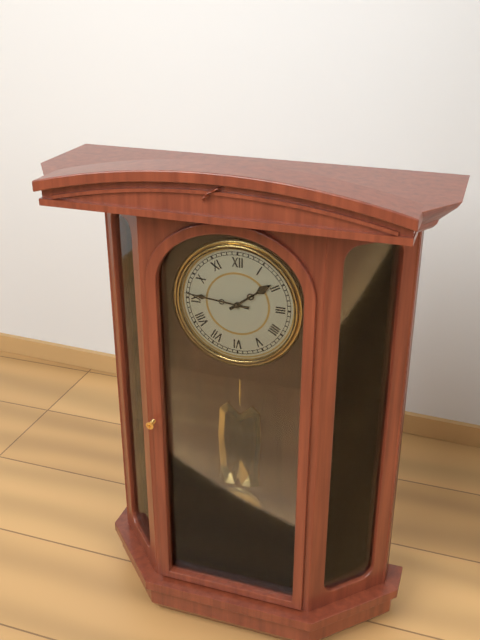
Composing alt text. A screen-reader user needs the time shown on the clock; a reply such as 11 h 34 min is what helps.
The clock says 1 h 46 min
